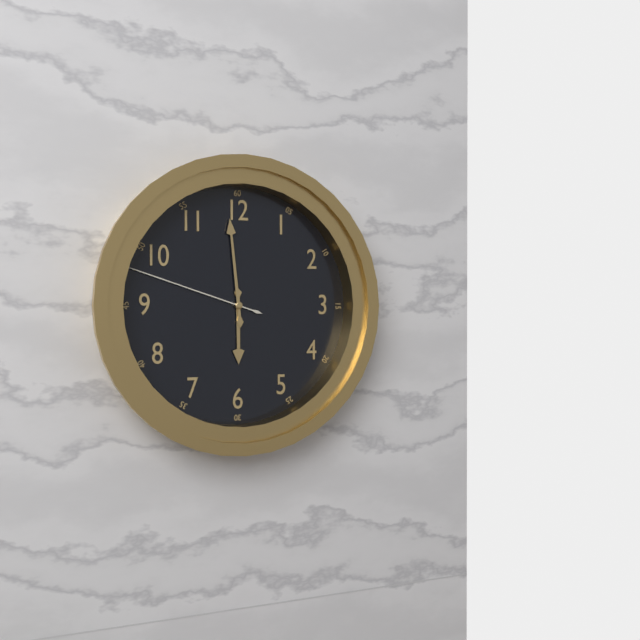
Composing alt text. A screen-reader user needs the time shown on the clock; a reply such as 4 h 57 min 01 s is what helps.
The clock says 5 h 59 min 48 s
